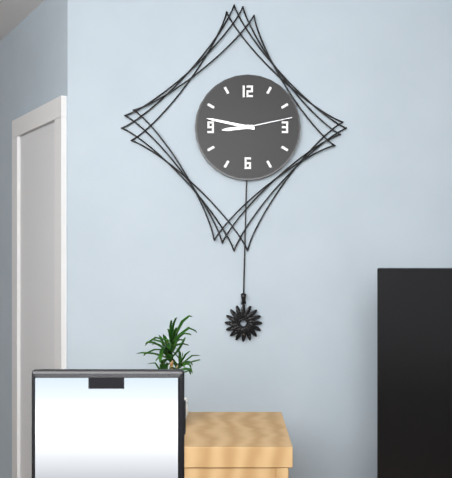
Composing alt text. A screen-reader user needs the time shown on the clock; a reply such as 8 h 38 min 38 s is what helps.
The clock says 8 h 47 min 13 s
